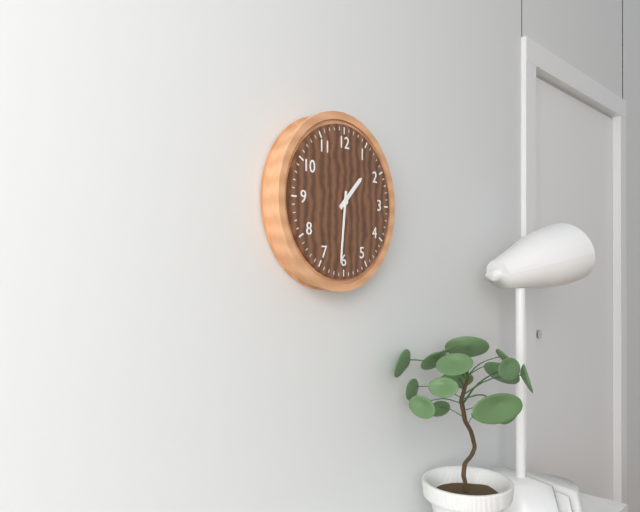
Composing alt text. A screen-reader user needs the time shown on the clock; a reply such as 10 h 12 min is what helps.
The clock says 1 h 31 min
